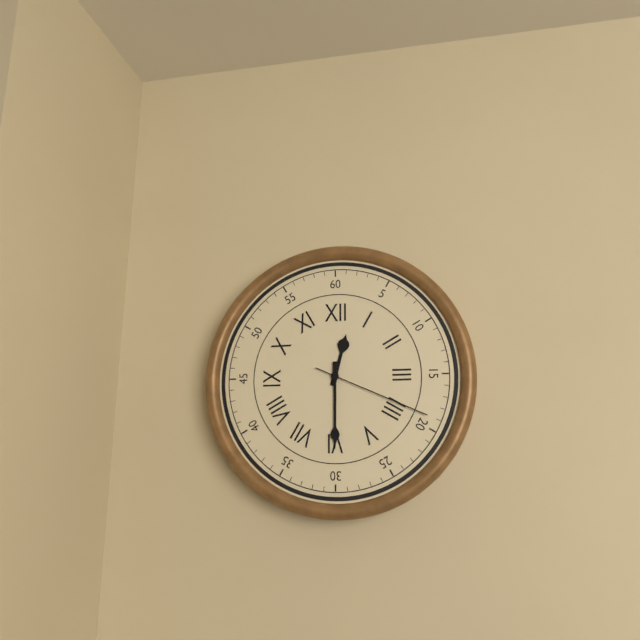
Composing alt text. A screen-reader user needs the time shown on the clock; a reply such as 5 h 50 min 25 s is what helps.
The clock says 12 h 30 min 19 s
